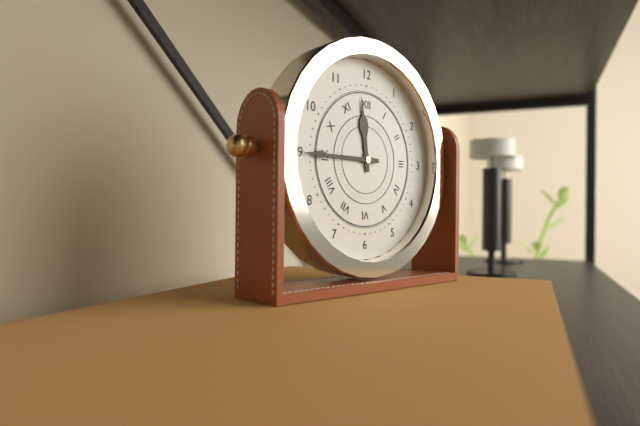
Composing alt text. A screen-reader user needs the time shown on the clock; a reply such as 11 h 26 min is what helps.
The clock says 11 h 45 min
